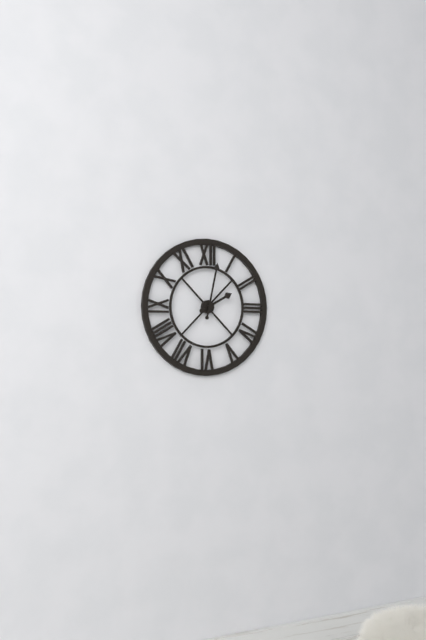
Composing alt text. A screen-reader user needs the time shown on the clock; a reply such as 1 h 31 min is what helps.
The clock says 2 h 02 min
